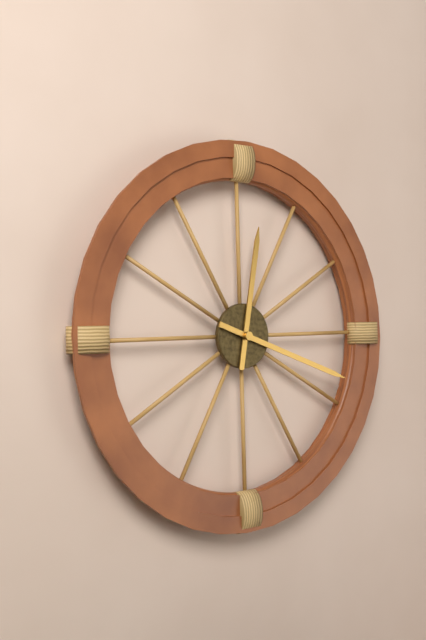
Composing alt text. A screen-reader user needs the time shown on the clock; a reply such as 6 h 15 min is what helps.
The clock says 12 h 18 min
